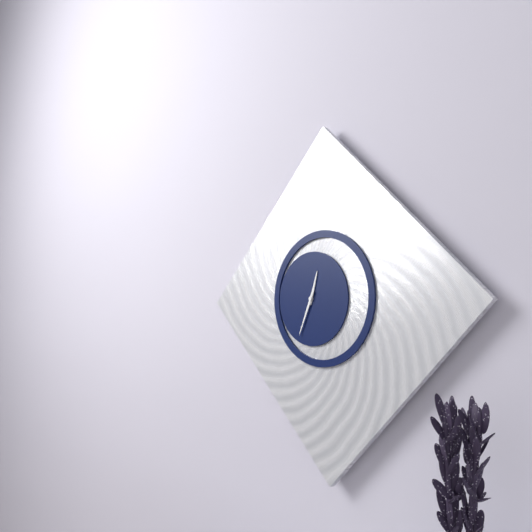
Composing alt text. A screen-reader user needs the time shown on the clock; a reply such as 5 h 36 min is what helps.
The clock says 12 h 34 min
